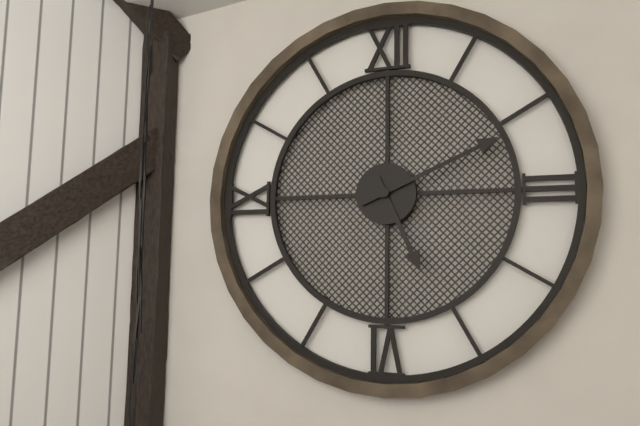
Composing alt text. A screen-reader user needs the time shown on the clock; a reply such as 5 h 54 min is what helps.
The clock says 5 h 11 min
